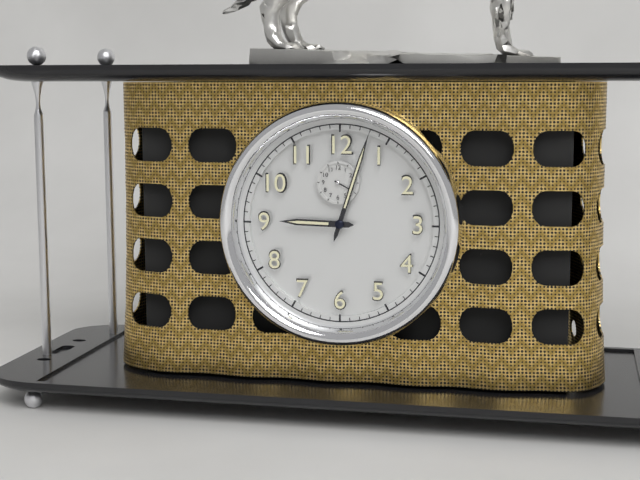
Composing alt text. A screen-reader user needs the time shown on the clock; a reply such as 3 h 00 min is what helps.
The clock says 9 h 03 min
